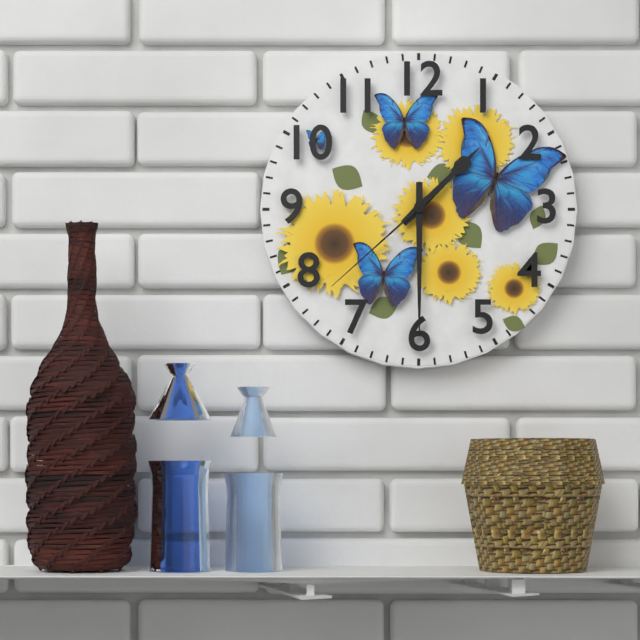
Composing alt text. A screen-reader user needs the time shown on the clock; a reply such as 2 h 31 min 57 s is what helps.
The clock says 1 h 30 min 38 s
